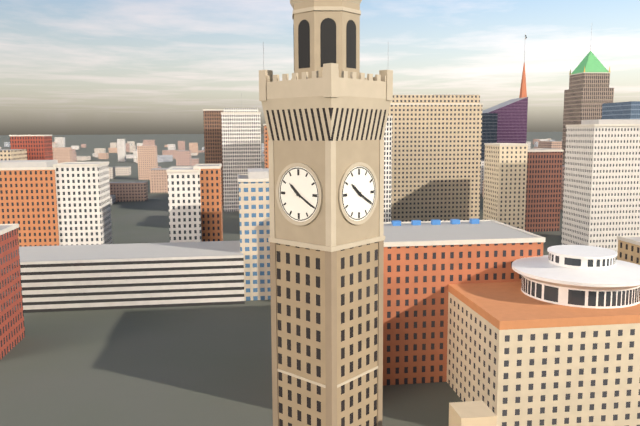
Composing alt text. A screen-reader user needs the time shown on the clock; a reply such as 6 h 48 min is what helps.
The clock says 10 h 20 min
